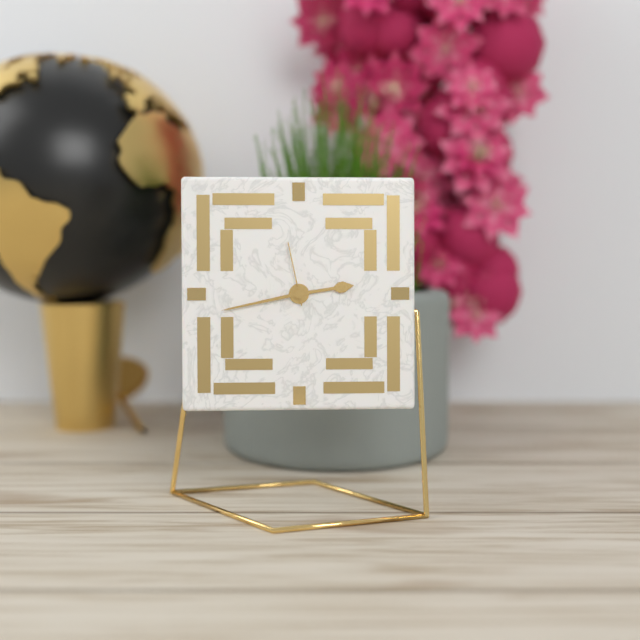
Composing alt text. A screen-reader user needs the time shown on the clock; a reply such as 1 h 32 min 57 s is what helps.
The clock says 2 h 43 min 58 s
